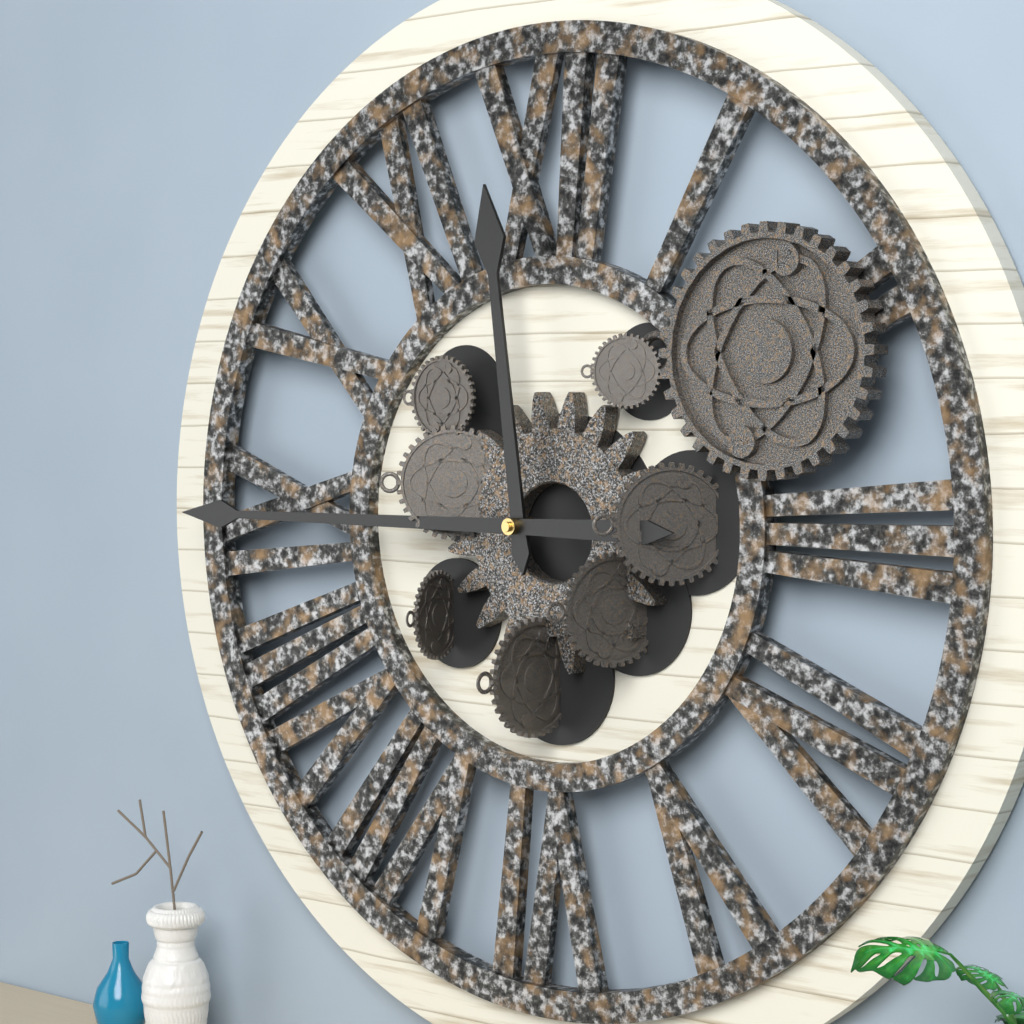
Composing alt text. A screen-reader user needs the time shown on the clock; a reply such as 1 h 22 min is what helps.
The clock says 11 h 45 min
